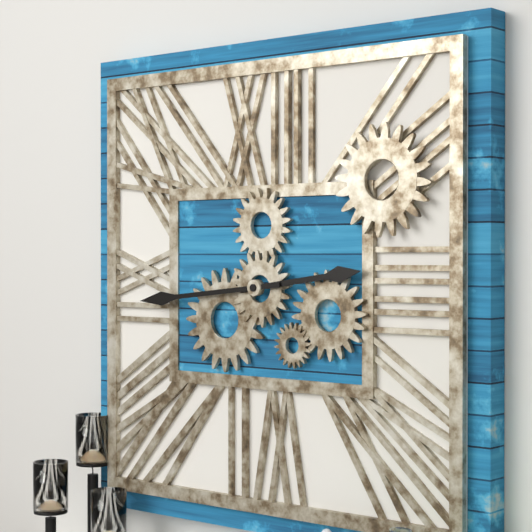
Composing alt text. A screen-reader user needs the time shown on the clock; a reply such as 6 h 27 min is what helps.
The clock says 2 h 44 min
